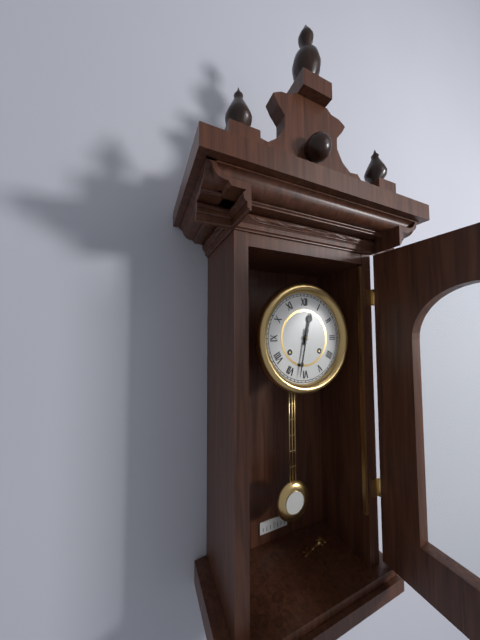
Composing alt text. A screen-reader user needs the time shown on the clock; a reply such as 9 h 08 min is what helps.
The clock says 12 h 32 min
